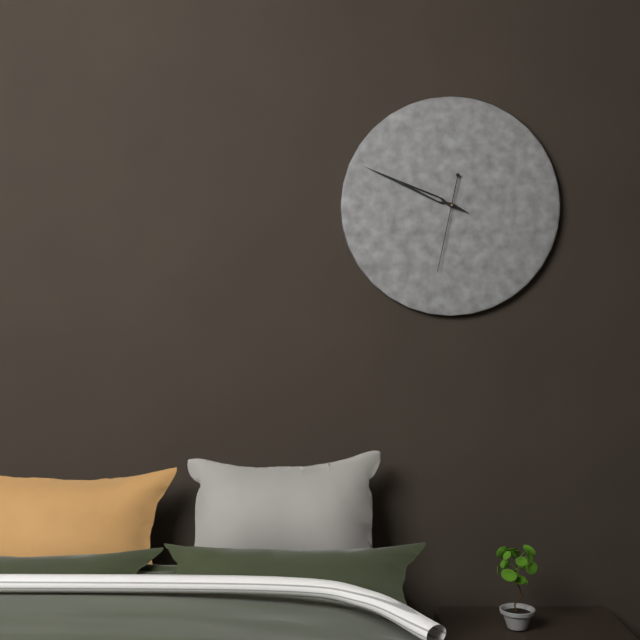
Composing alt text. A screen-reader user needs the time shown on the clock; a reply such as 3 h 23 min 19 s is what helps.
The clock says 9 h 49 min 32 s
